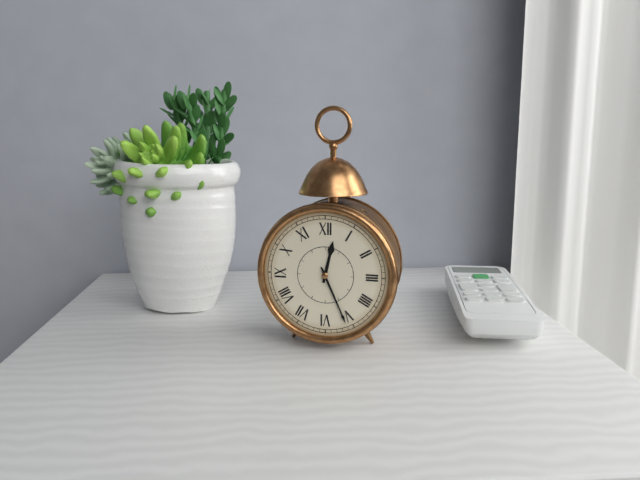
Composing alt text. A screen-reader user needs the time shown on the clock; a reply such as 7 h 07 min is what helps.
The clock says 12 h 26 min
